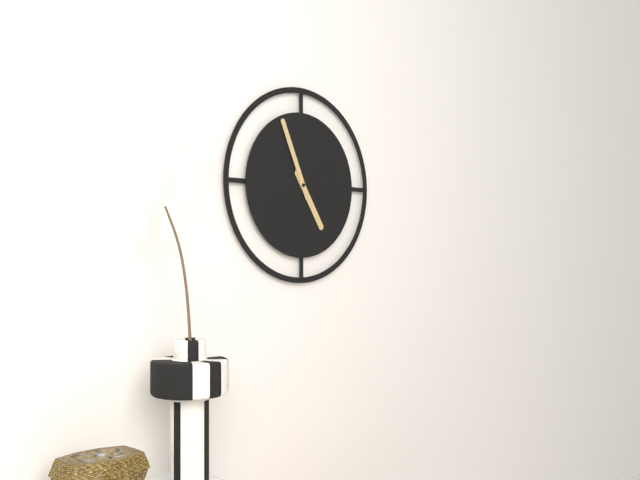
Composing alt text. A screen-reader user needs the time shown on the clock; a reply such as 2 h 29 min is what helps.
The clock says 4 h 56 min
